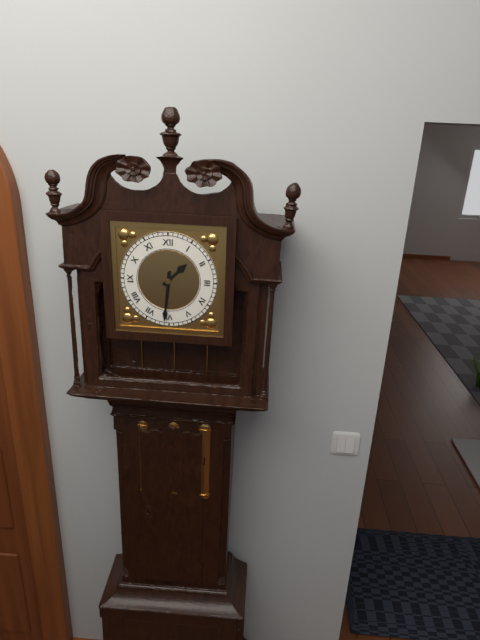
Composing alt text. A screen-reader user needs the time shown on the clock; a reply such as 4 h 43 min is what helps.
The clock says 1 h 31 min
